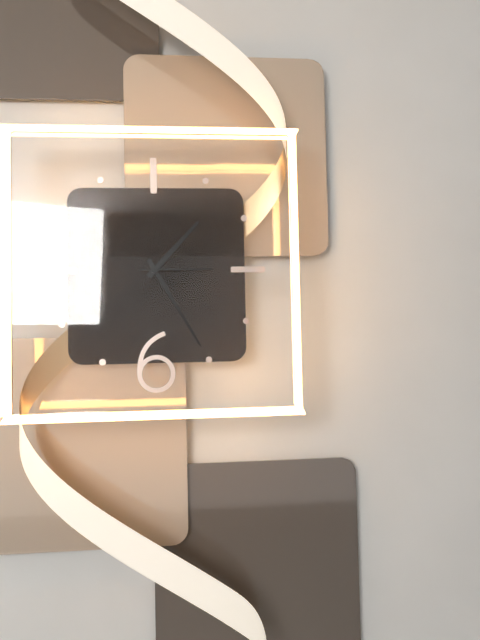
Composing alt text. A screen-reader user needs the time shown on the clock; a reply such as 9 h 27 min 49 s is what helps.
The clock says 1 h 25 min 15 s
